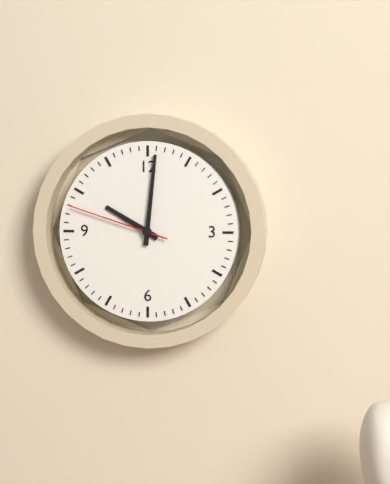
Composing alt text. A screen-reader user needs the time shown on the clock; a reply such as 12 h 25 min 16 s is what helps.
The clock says 10 h 01 min 48 s
